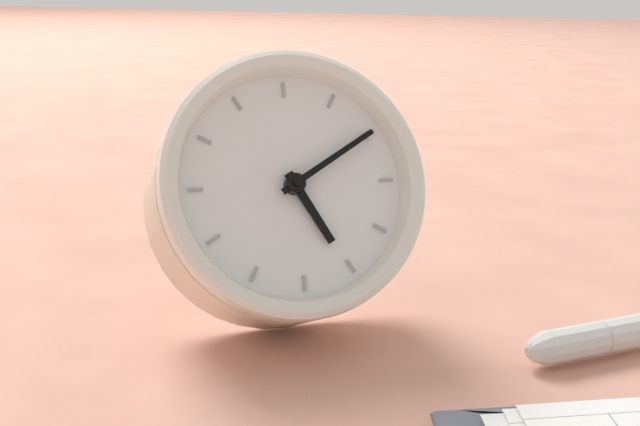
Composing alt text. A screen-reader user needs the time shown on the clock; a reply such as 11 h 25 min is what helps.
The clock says 4 h 05 min
